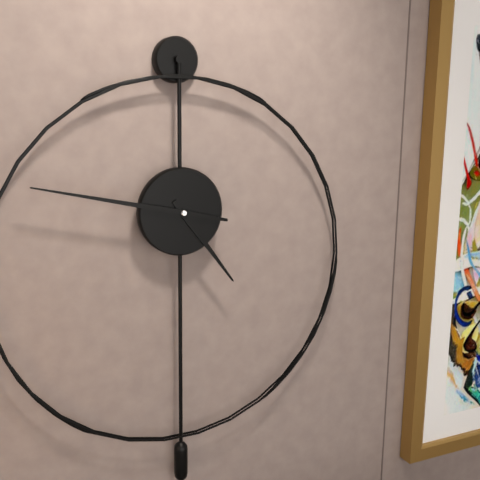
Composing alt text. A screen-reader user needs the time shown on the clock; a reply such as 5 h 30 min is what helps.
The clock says 4 h 47 min
